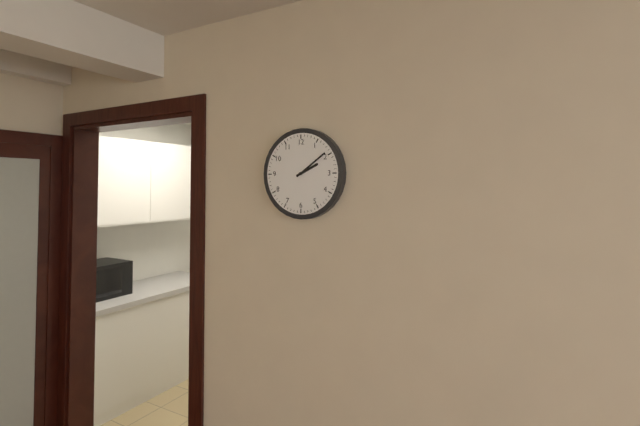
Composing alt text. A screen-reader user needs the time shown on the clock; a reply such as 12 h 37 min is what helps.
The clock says 2 h 09 min
